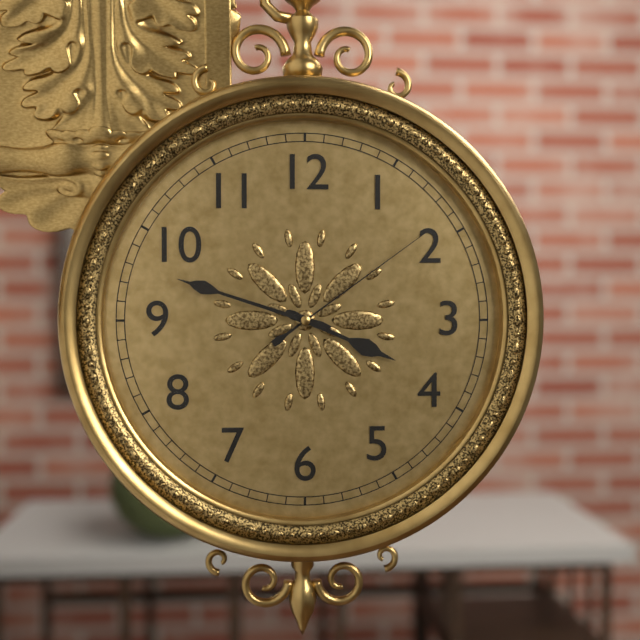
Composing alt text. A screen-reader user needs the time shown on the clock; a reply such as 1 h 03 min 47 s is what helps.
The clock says 3 h 48 min 09 s
